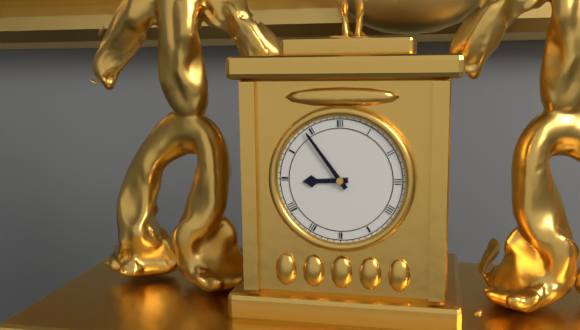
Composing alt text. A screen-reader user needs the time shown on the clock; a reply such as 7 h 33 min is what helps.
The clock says 8 h 54 min
